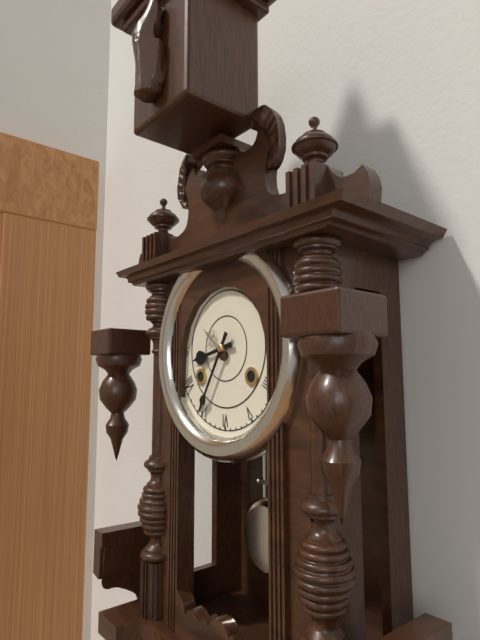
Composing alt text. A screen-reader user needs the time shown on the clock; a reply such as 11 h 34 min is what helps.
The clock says 8 h 35 min
